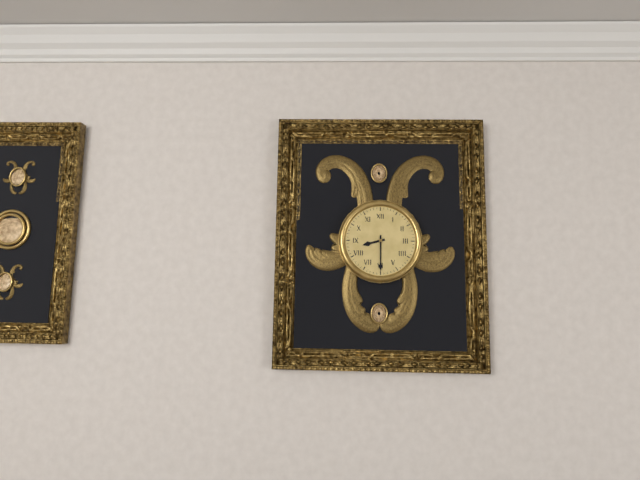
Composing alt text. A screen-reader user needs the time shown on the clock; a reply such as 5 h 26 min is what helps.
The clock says 8 h 30 min
